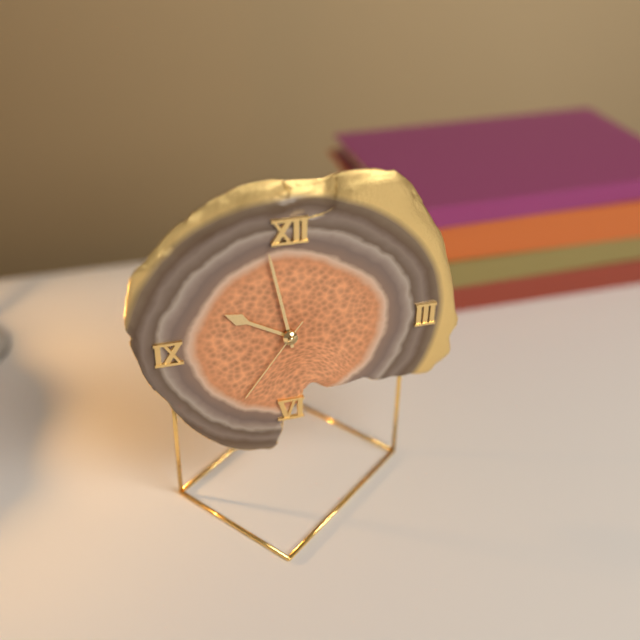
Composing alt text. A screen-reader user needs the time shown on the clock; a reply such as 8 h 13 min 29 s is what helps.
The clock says 9 h 58 min 36 s
